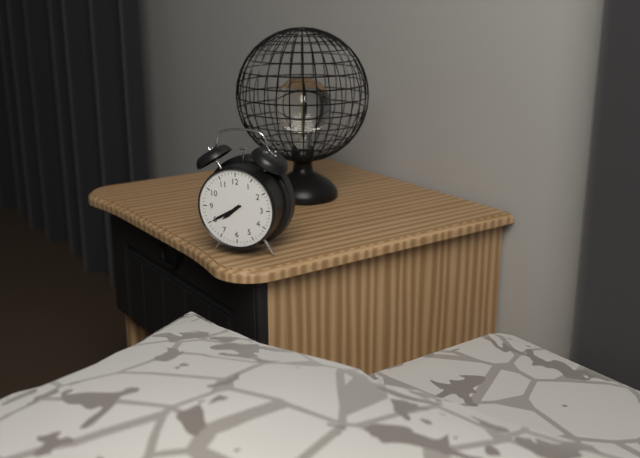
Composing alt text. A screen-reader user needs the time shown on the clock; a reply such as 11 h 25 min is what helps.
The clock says 7 h 40 min
